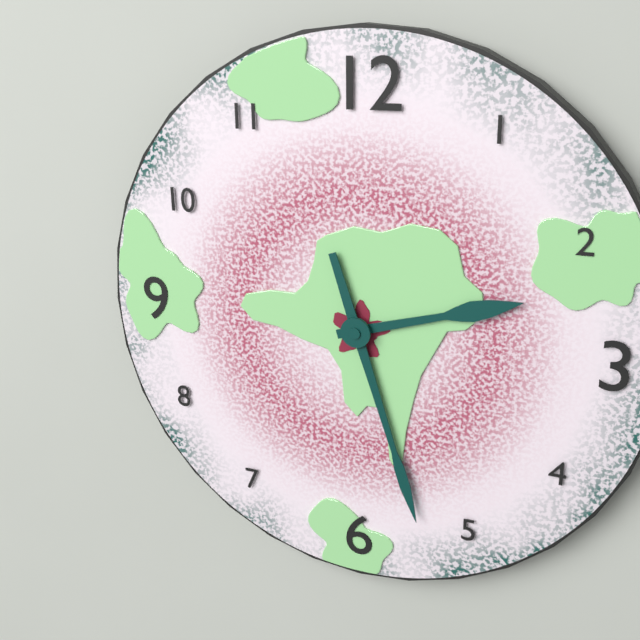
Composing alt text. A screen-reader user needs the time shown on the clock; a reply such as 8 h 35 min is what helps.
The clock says 2 h 27 min
